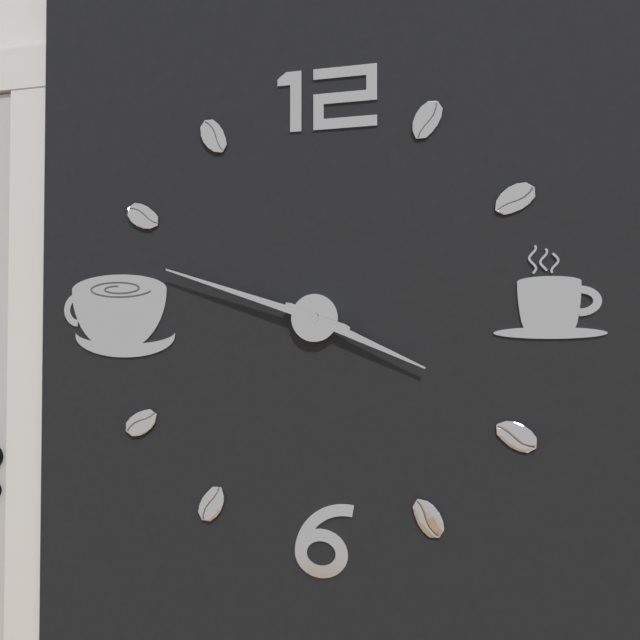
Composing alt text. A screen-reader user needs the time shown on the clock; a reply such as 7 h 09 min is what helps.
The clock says 3 h 48 min
